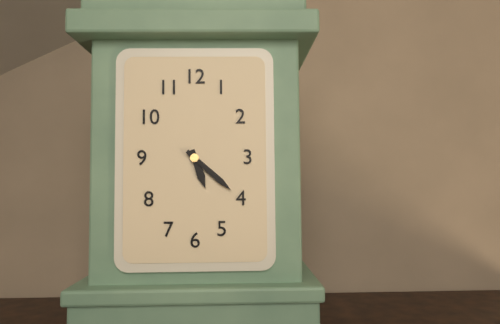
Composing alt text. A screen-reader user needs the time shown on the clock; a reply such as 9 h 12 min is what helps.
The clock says 5 h 22 min
